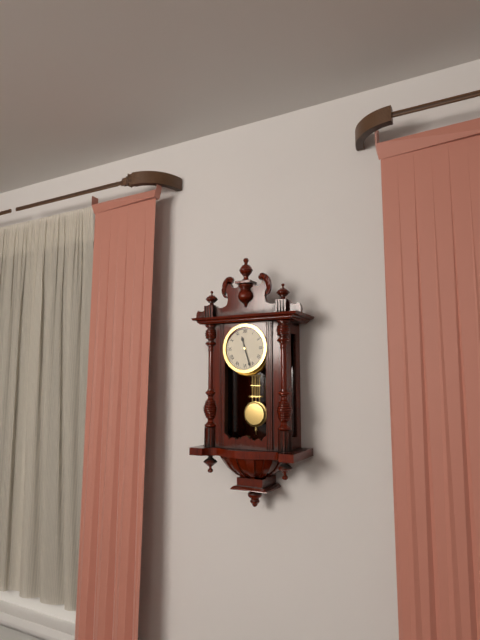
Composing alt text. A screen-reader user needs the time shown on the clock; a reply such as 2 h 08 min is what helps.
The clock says 11 h 27 min
